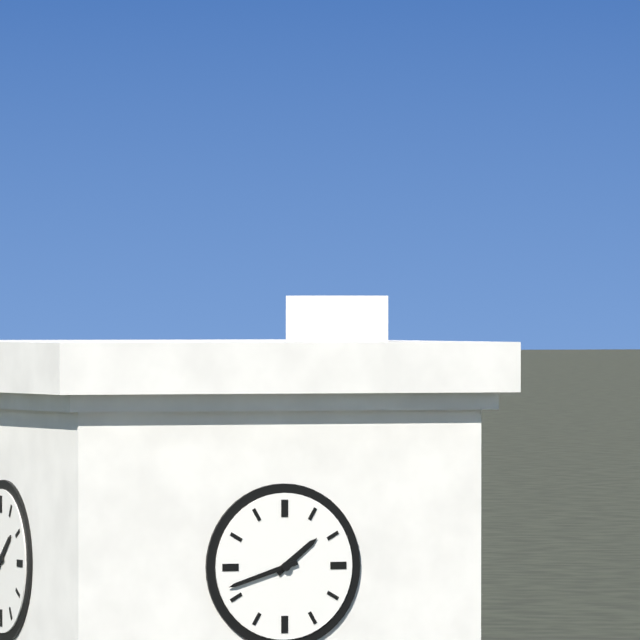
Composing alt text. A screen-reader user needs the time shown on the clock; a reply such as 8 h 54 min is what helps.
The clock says 1 h 42 min
